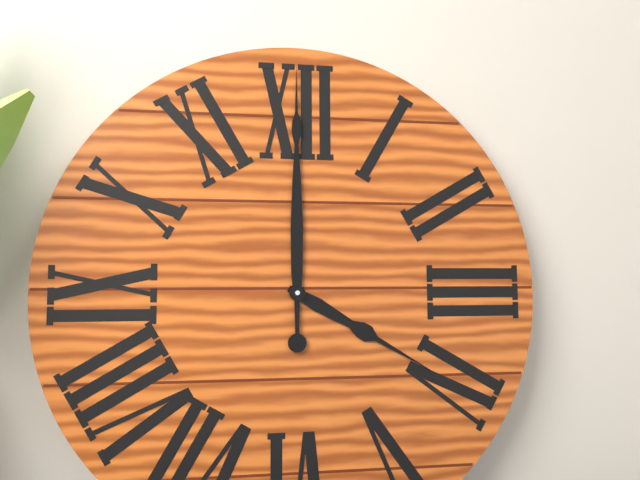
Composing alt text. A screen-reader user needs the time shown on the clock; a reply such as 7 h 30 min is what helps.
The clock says 4 h 00 min
